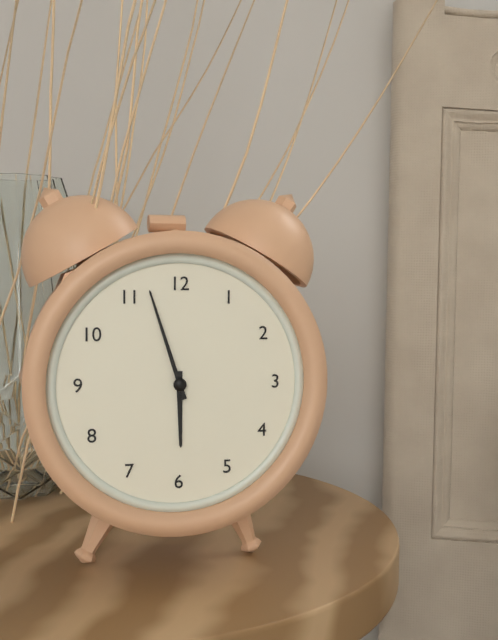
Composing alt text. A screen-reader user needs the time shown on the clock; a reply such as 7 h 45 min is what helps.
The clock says 5 h 57 min
